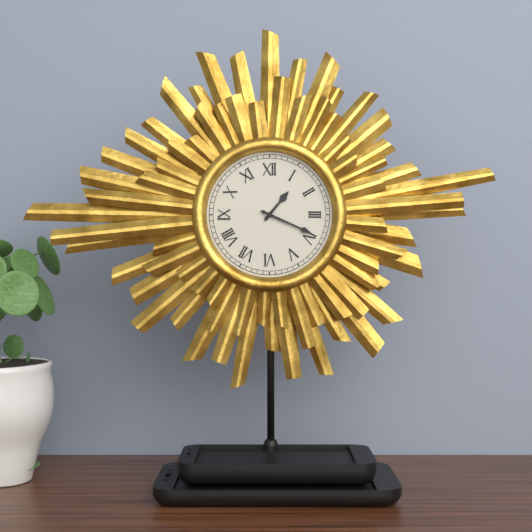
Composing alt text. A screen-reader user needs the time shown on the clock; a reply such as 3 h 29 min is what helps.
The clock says 1 h 19 min
